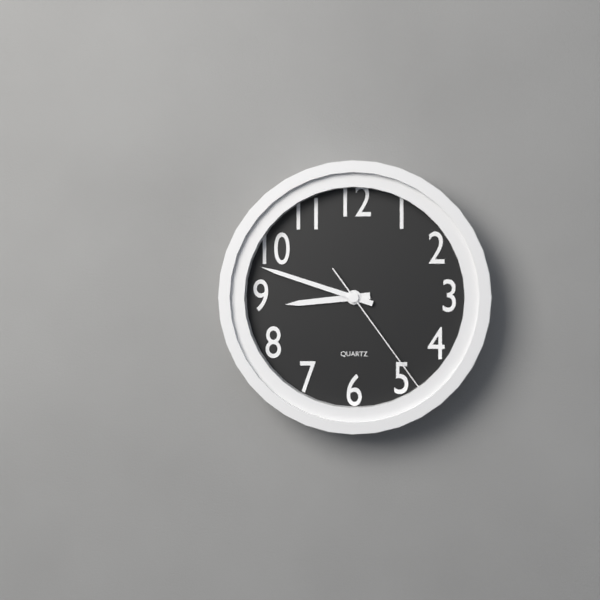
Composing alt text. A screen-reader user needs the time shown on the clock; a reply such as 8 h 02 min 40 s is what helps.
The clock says 8 h 48 min 24 s
